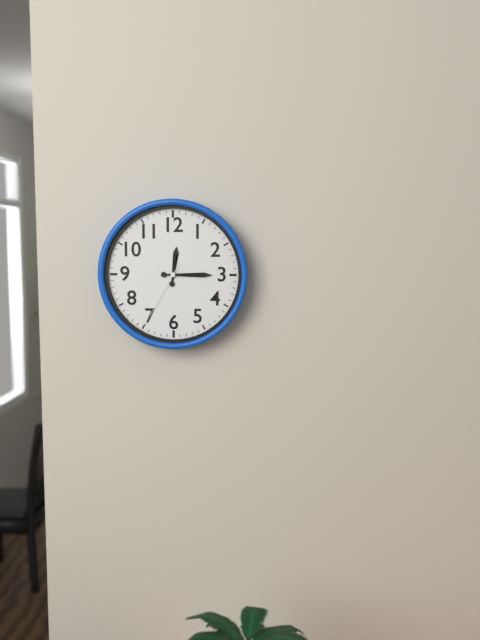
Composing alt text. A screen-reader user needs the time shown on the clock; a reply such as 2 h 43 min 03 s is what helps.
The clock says 12 h 15 min 35 s
